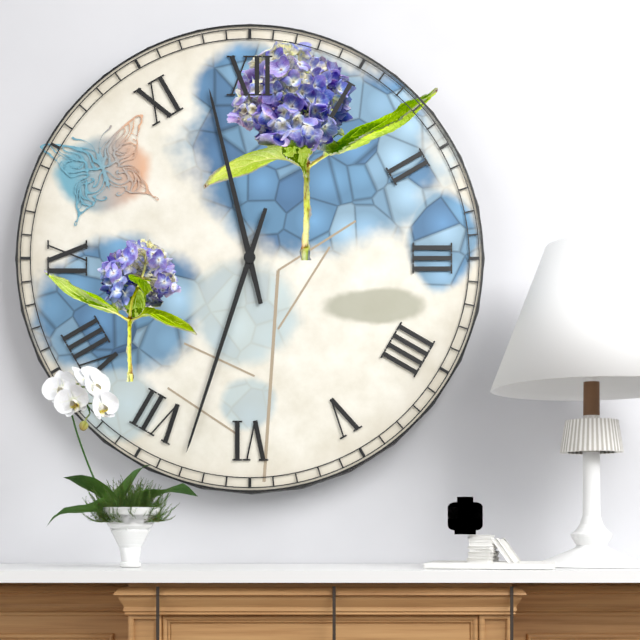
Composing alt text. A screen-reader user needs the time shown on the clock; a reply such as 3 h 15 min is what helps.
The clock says 11 h 33 min
